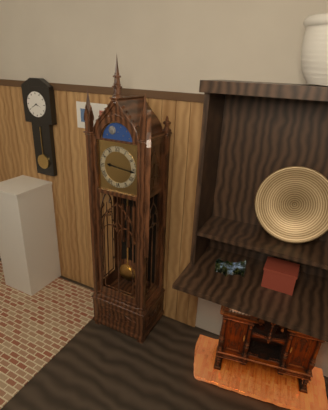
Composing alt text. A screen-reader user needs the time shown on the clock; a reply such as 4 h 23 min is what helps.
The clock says 9 h 16 min
